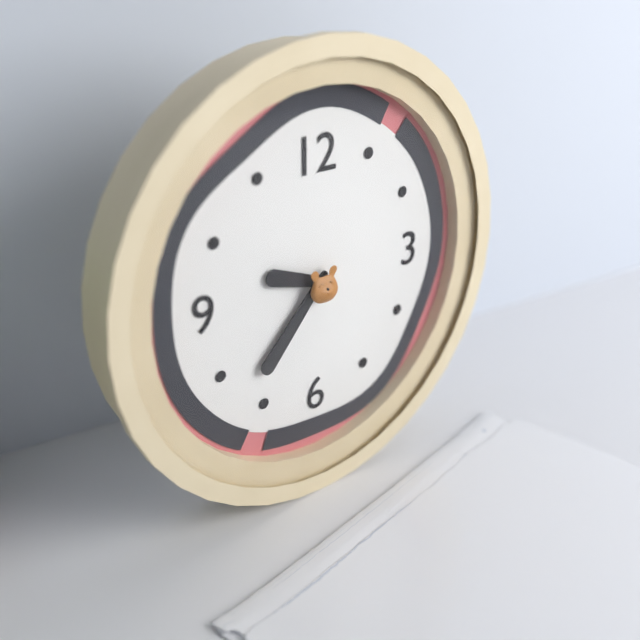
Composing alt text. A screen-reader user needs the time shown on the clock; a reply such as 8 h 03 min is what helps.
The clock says 9 h 37 min
